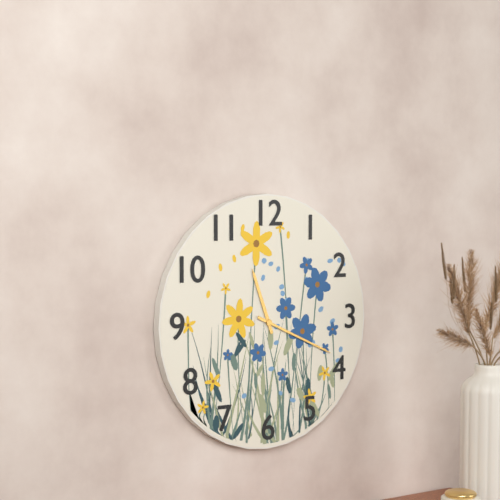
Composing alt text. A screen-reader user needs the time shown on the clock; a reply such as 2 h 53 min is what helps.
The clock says 11 h 19 min
